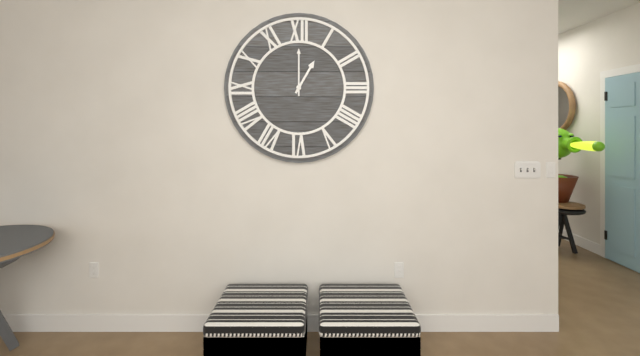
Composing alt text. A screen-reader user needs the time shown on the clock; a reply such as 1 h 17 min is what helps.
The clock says 1 h 00 min
